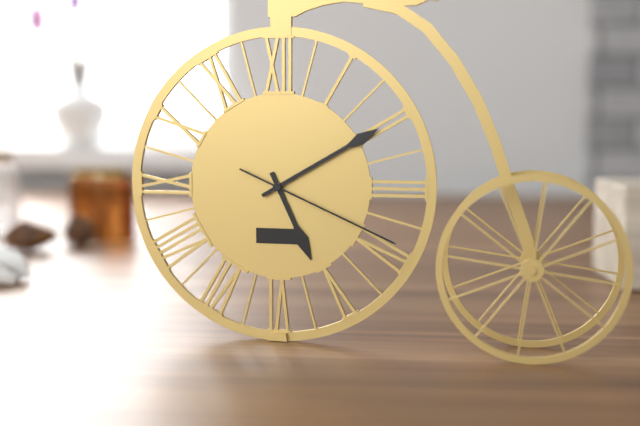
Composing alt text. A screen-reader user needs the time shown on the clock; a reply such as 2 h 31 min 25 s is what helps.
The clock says 5 h 10 min 19 s
